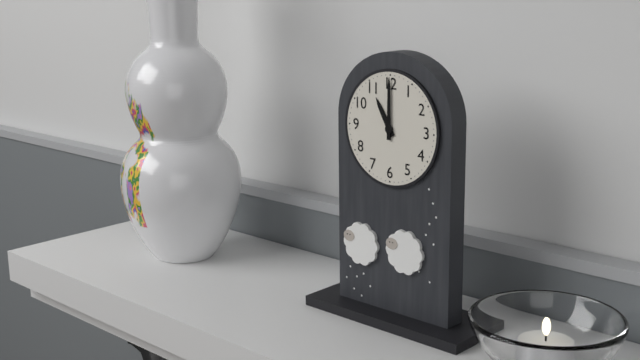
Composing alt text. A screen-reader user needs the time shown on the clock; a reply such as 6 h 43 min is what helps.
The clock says 11 h 00 min
